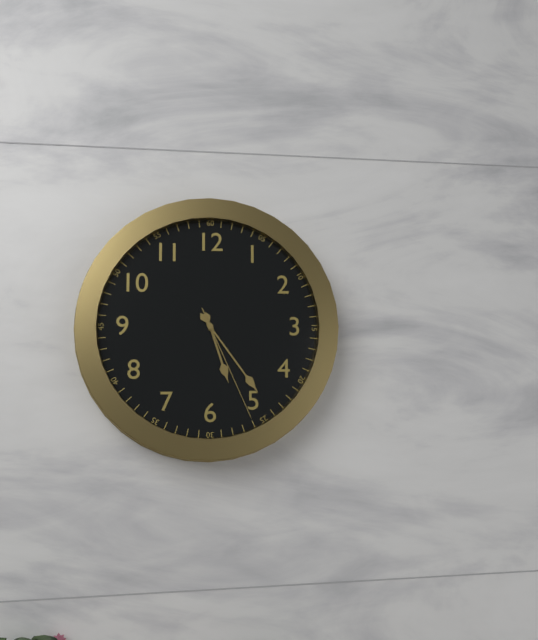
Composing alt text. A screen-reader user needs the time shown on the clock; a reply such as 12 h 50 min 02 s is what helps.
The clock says 5 h 24 min 26 s
